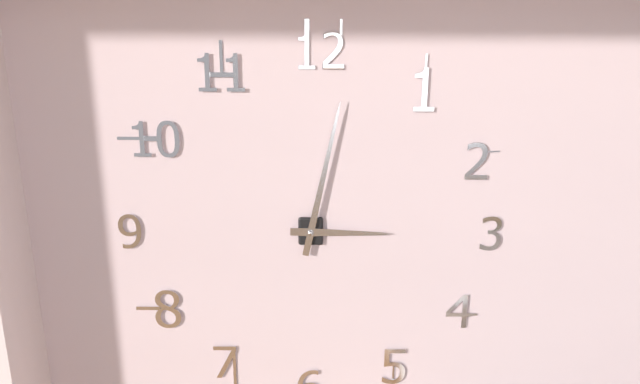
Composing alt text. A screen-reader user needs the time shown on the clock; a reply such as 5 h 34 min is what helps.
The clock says 3 h 02 min
